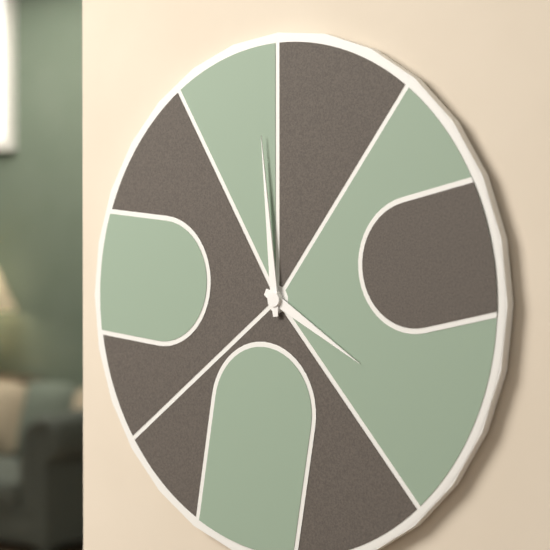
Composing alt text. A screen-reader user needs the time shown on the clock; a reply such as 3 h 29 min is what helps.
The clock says 3 h 59 min
